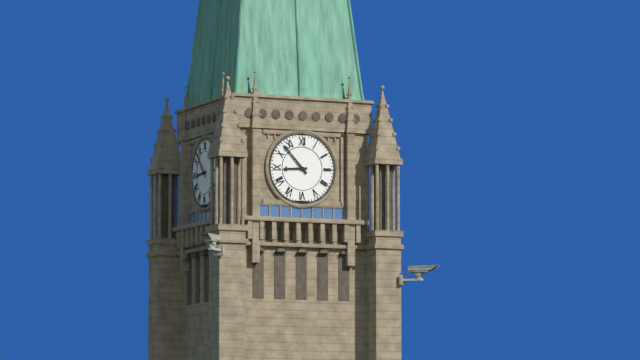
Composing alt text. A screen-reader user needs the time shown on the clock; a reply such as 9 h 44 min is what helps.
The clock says 8 h 53 min
